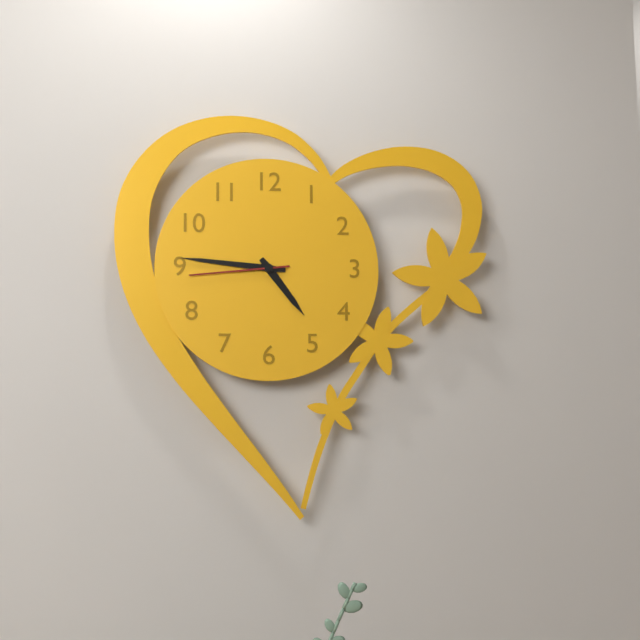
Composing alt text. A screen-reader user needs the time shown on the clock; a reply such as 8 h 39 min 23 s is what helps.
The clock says 4 h 46 min 44 s
